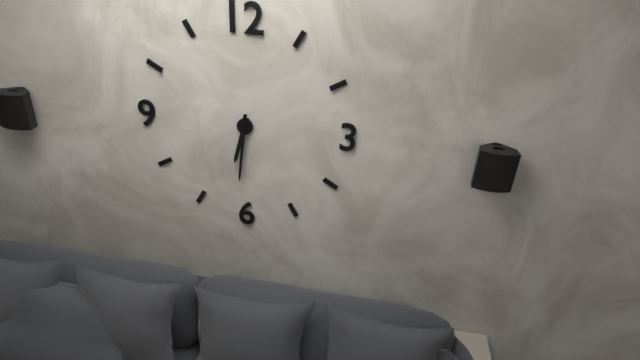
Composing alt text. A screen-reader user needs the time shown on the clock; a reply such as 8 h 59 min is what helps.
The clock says 6 h 31 min
